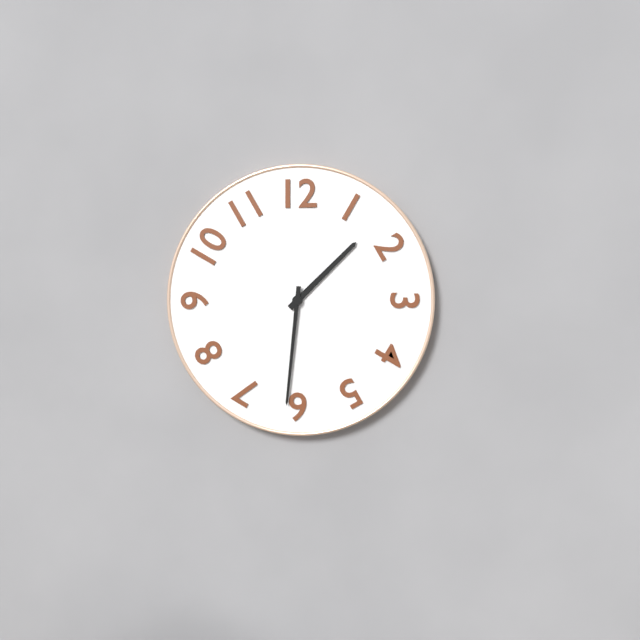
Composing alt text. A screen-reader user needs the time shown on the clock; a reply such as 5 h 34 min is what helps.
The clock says 1 h 31 min
